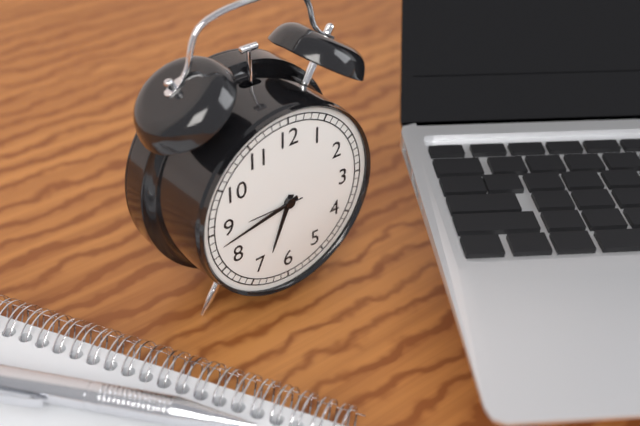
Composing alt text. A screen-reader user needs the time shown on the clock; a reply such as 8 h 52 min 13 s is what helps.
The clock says 6 h 43 min 45 s
